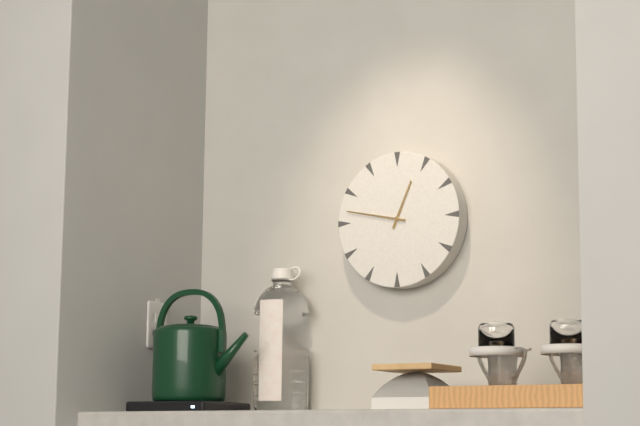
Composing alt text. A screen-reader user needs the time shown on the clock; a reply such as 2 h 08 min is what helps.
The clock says 12 h 47 min
